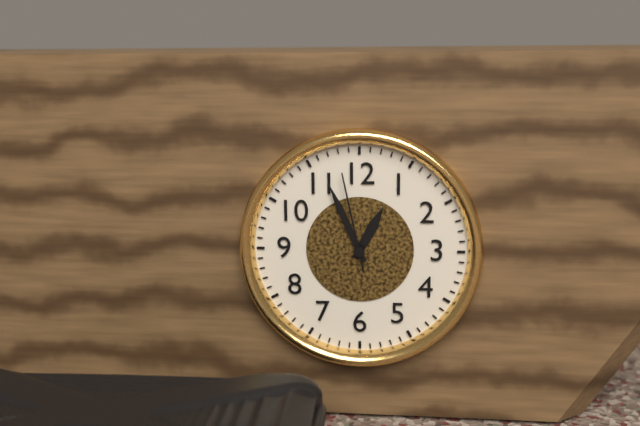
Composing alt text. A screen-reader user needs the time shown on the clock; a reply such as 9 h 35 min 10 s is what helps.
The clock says 12 h 56 min 58 s
